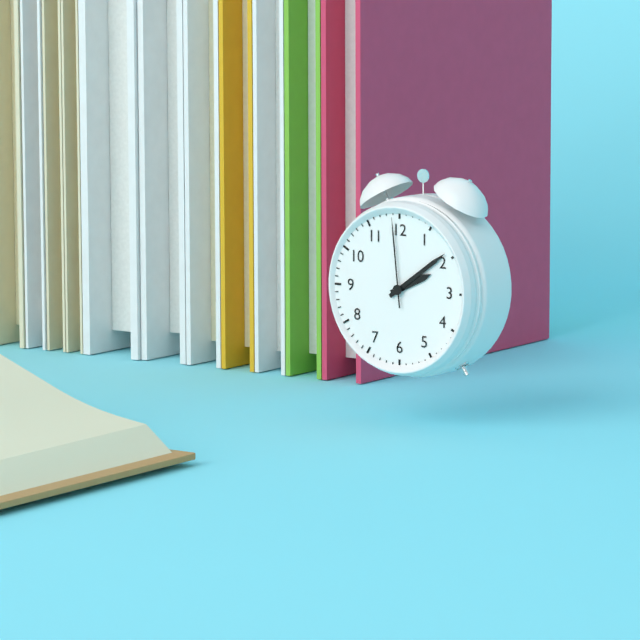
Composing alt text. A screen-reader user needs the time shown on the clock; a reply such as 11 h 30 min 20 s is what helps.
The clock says 2 h 09 min 59 s
